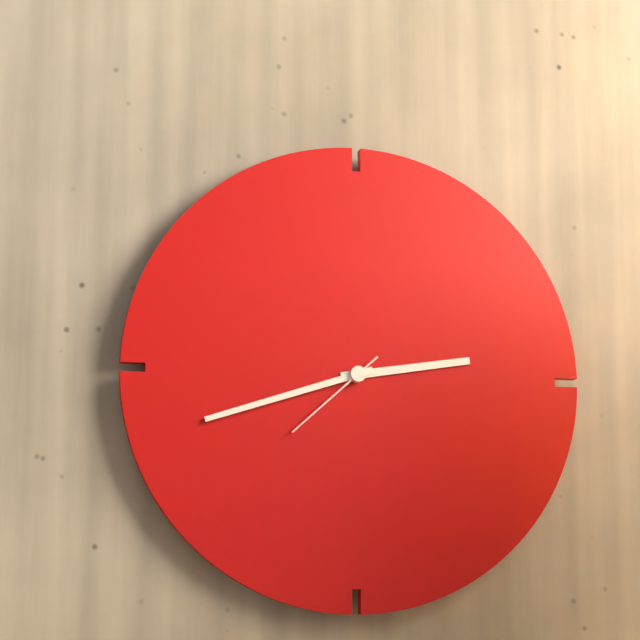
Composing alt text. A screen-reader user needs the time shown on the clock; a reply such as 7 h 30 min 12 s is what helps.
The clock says 2 h 42 min 38 s
